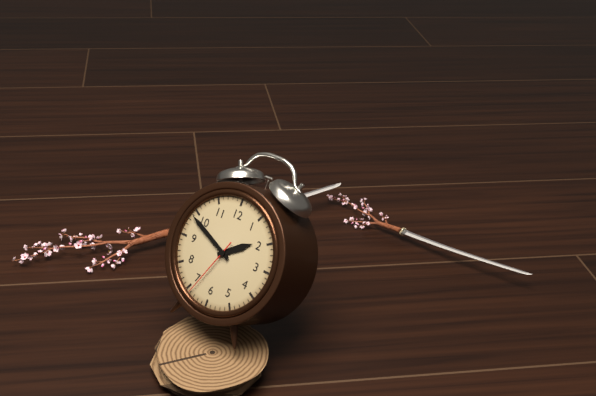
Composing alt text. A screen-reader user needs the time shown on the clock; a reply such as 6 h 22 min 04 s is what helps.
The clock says 1 h 49 min 34 s
